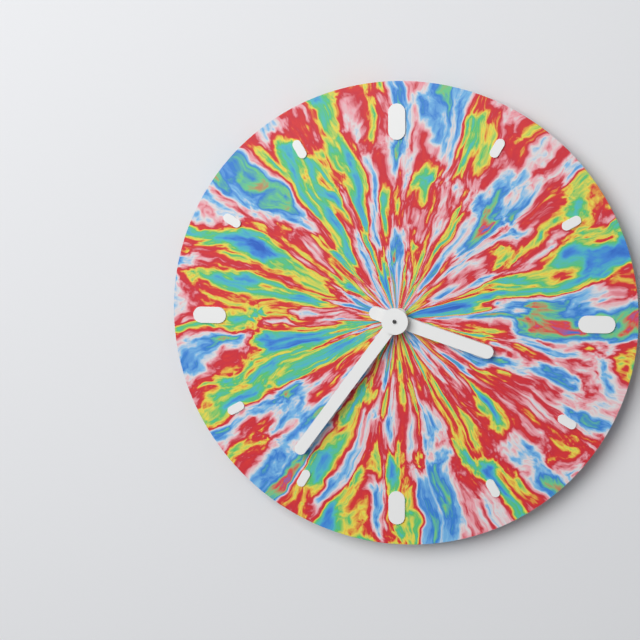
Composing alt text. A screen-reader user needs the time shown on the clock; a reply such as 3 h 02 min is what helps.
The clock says 3 h 36 min
